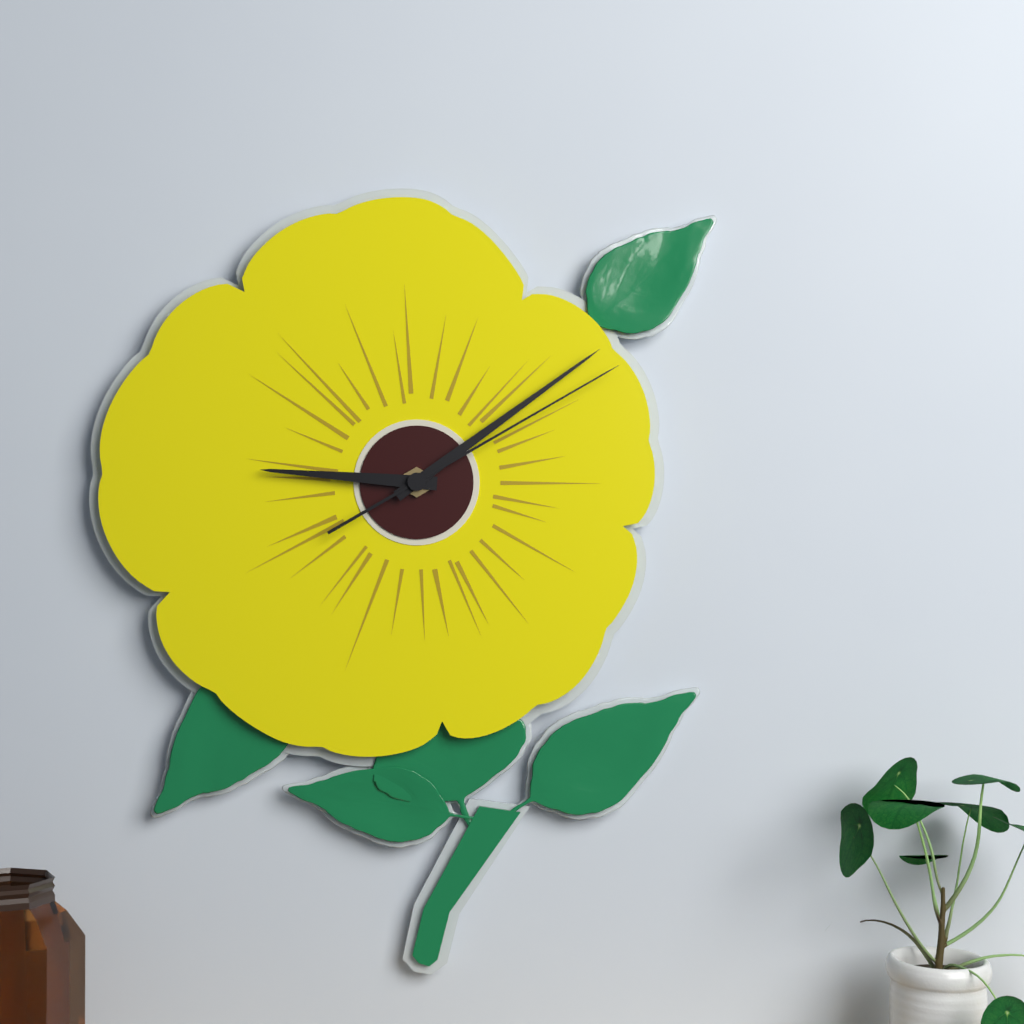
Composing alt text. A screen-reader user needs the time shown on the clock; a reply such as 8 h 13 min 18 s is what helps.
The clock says 9 h 09 min 10 s
